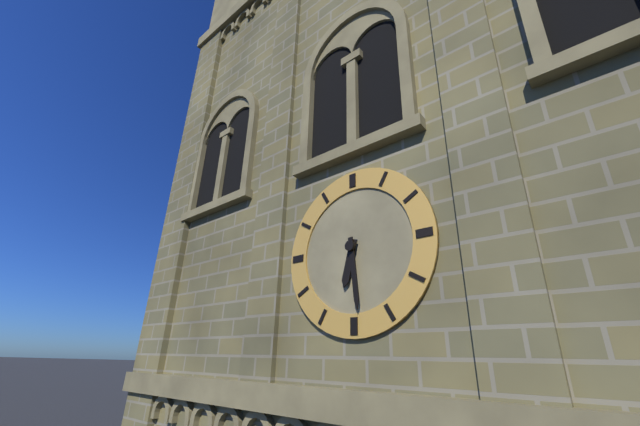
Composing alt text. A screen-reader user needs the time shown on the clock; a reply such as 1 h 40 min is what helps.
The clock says 6 h 29 min
